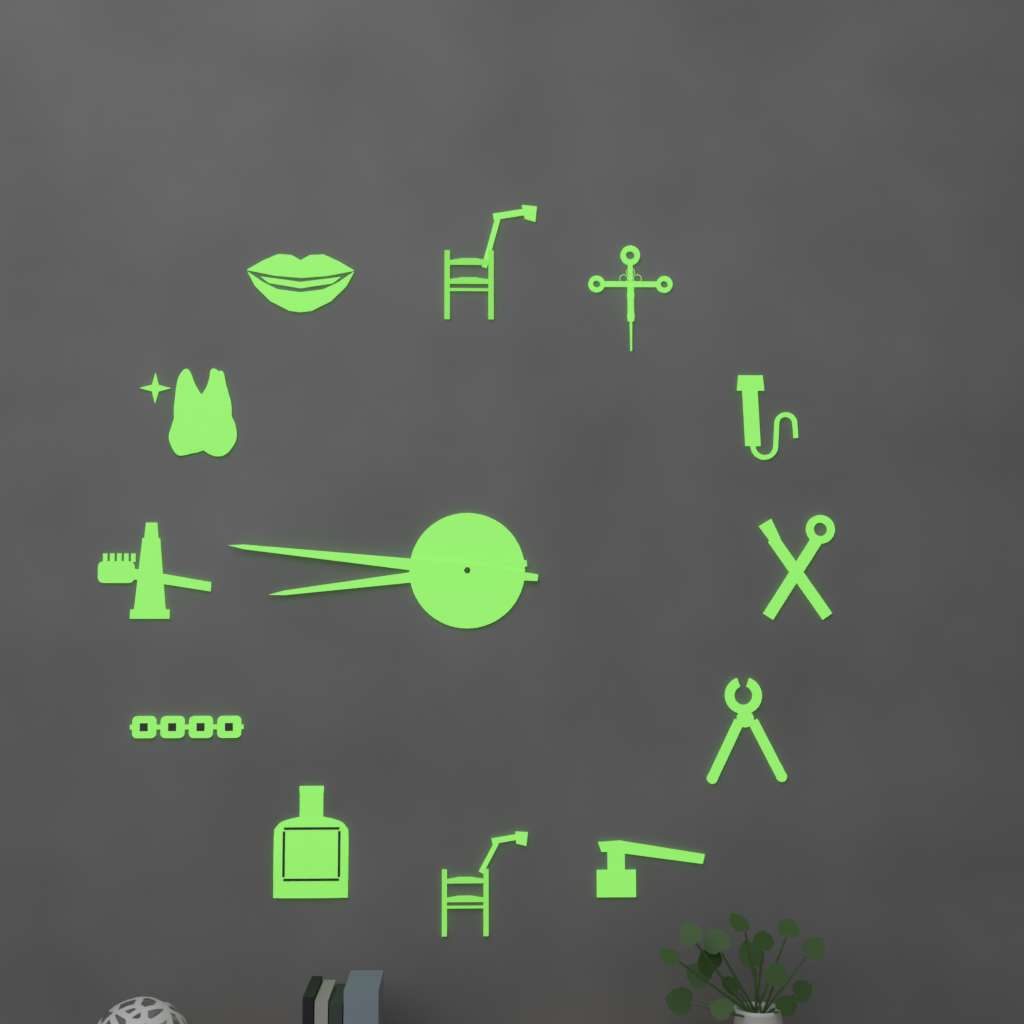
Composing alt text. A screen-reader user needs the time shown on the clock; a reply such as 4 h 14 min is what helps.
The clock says 8 h 46 min
